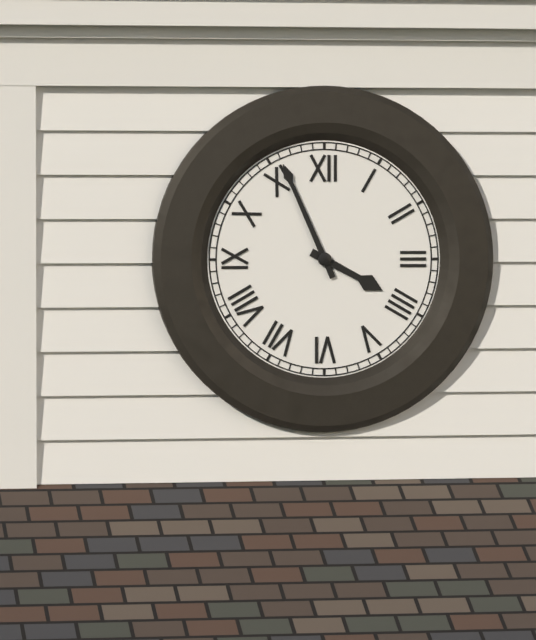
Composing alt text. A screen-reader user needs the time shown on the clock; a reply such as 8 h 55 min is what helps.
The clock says 3 h 56 min
